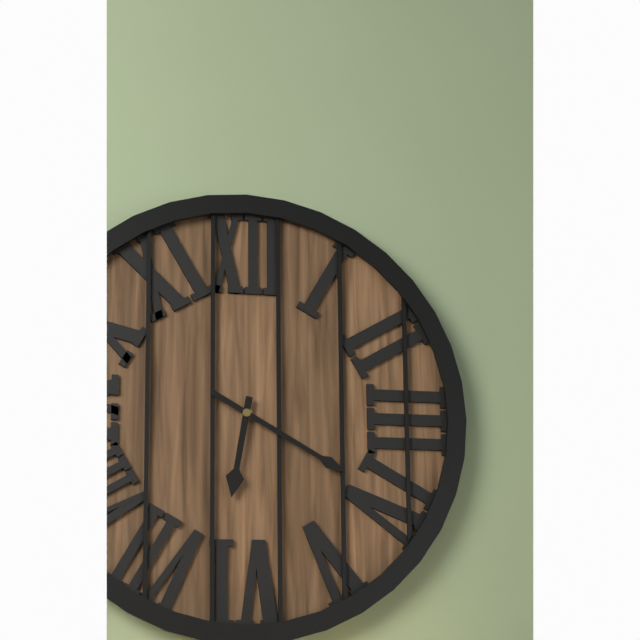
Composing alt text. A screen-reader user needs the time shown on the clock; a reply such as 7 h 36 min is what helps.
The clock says 6 h 20 min
